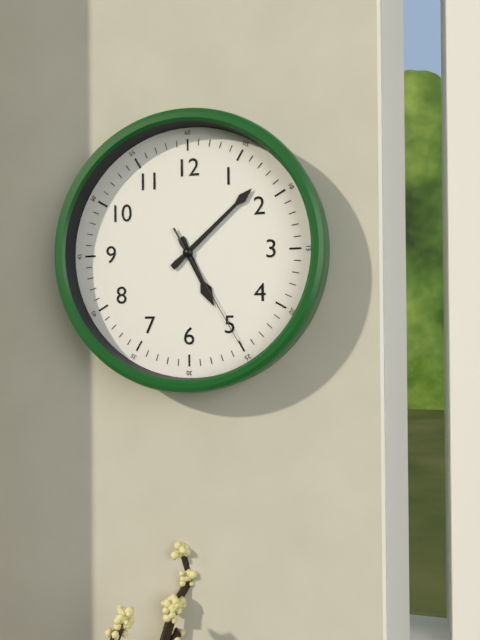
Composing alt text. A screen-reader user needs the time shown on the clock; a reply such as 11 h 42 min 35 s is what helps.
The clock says 5 h 08 min 25 s
